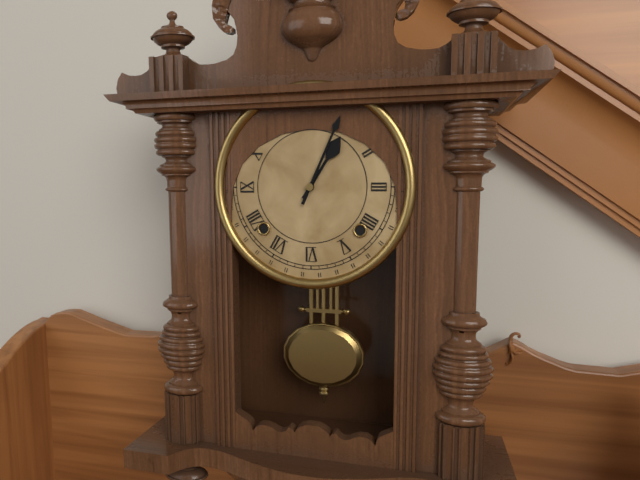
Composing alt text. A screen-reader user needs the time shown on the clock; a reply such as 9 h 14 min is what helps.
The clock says 1 h 04 min
